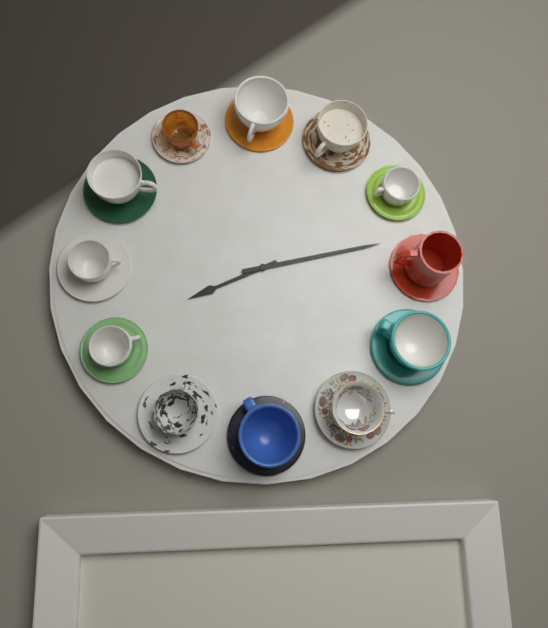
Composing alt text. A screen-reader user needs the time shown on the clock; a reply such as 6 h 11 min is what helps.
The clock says 8 h 13 min
